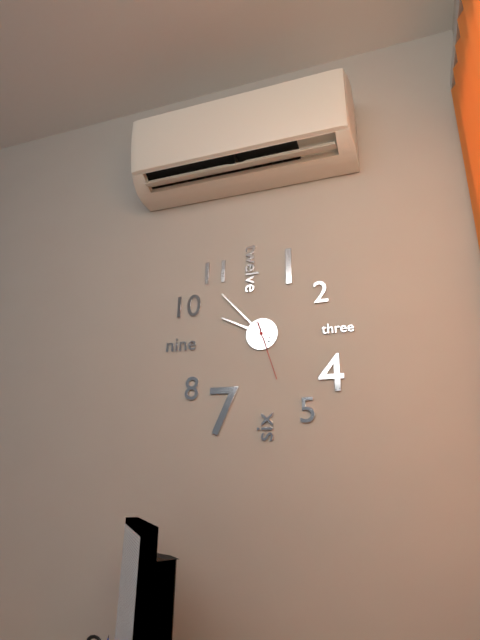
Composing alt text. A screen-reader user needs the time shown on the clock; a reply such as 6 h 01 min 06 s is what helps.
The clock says 9 h 53 min 27 s
